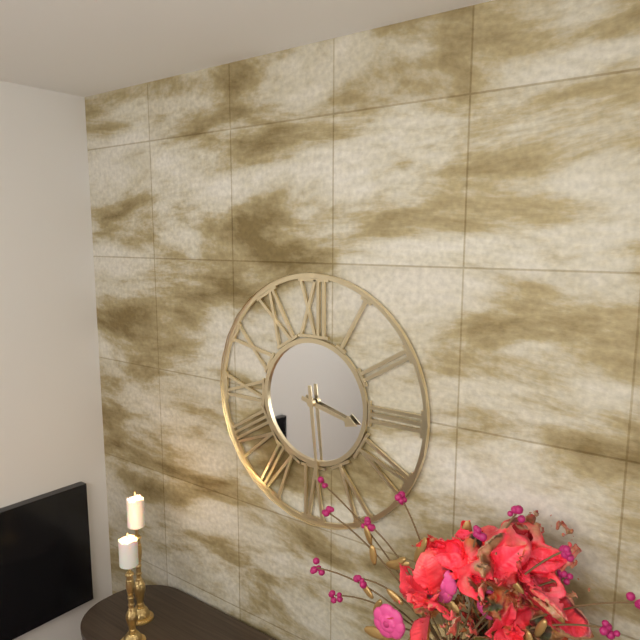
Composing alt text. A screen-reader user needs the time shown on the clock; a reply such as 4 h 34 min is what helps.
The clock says 3 h 29 min
